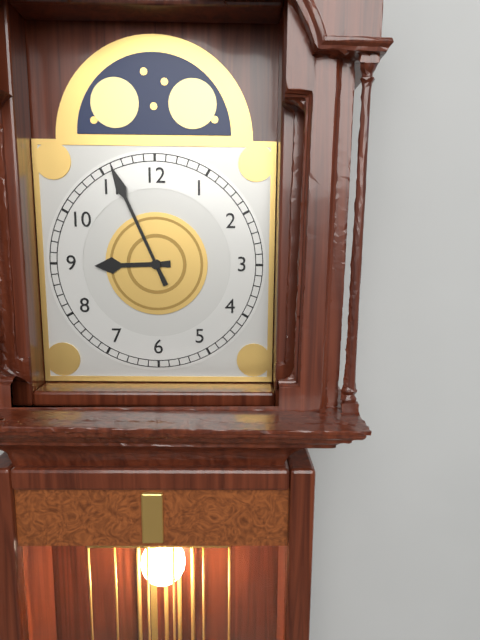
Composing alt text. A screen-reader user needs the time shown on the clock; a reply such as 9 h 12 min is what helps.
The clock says 8 h 56 min
